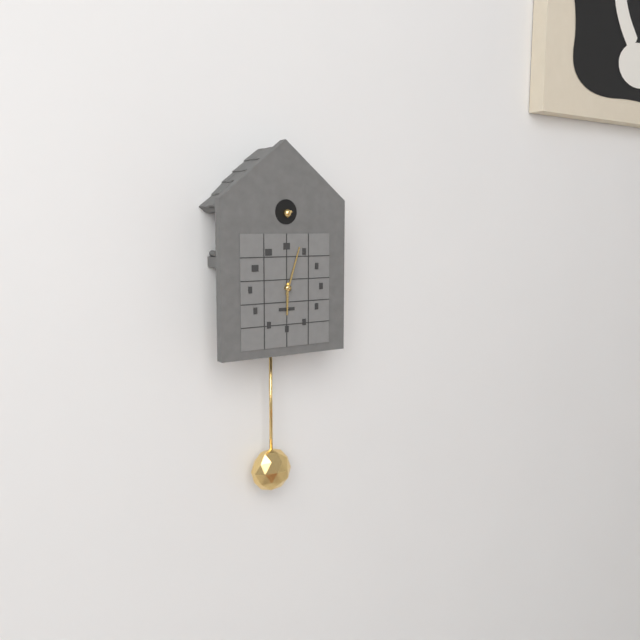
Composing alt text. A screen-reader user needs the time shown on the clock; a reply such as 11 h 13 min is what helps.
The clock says 6 h 03 min
